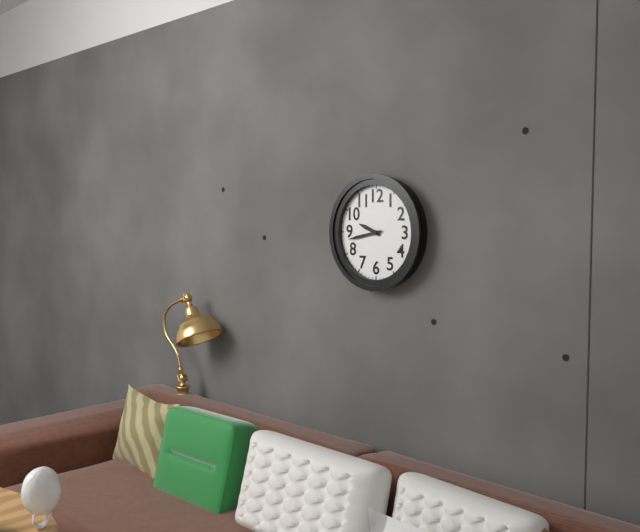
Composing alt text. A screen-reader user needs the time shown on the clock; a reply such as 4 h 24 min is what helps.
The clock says 9 h 43 min
